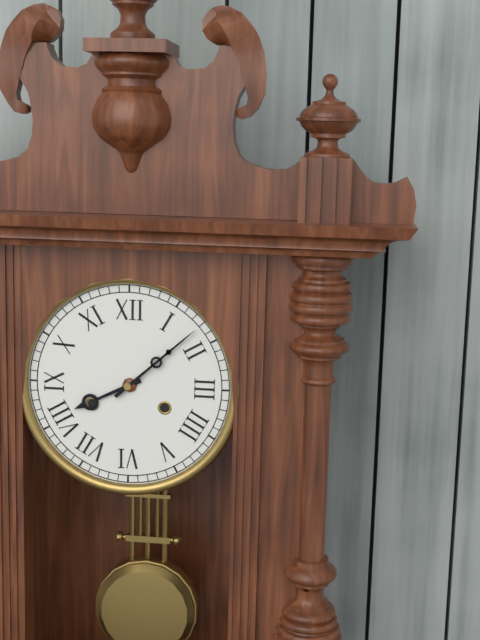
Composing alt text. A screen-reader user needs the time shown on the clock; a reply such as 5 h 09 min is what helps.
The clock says 8 h 08 min
